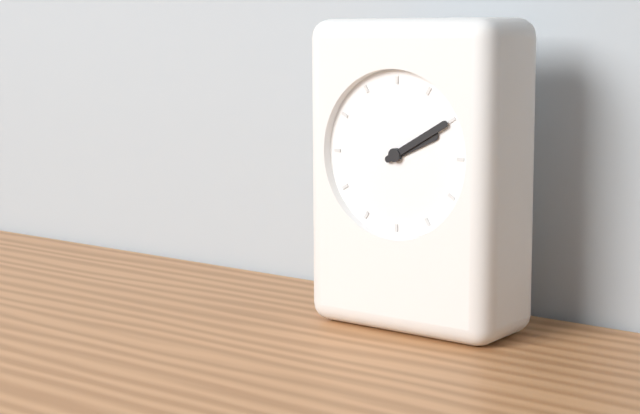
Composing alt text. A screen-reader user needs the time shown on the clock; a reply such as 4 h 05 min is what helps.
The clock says 2 h 10 min
